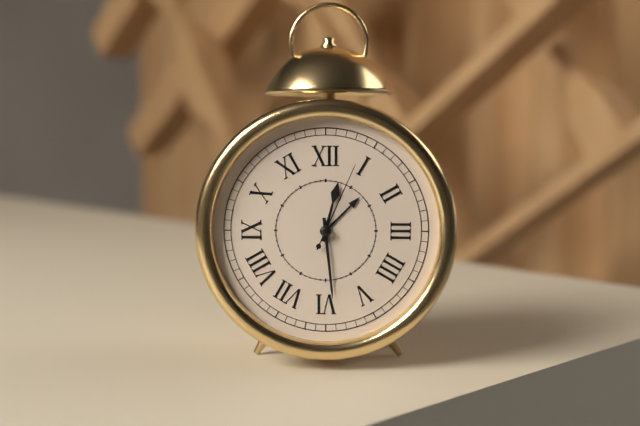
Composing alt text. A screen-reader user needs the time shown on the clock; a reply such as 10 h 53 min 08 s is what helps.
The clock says 12 h 29 min 04 s
